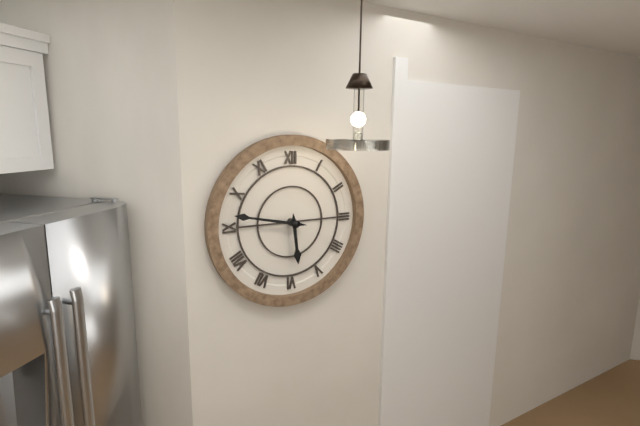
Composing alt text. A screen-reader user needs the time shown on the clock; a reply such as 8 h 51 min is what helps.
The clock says 5 h 47 min
